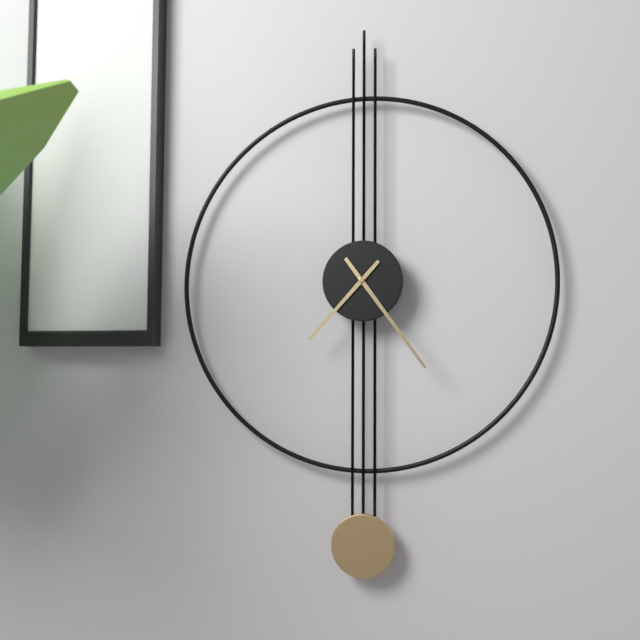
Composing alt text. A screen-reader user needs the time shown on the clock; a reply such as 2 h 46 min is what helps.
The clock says 7 h 24 min
